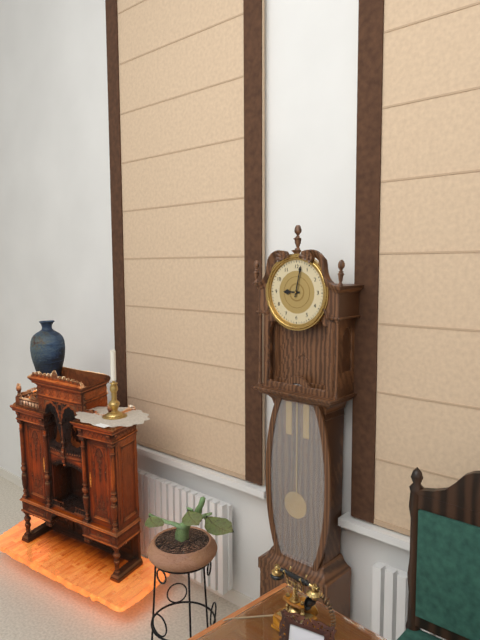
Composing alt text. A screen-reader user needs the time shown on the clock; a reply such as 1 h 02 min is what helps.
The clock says 9 h 02 min
